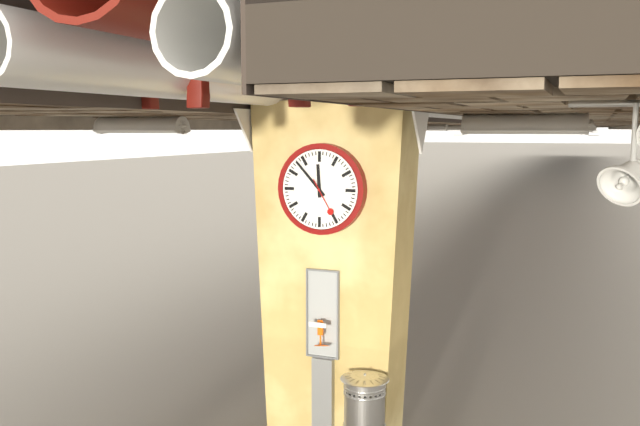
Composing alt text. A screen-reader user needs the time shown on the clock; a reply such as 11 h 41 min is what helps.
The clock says 11 h 53 min
